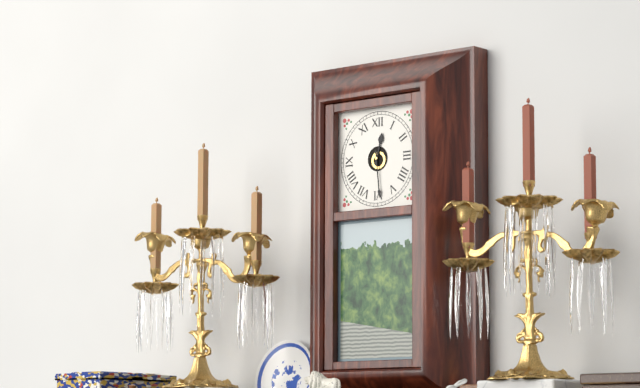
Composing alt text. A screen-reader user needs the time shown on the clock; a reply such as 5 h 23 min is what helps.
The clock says 12 h 29 min
